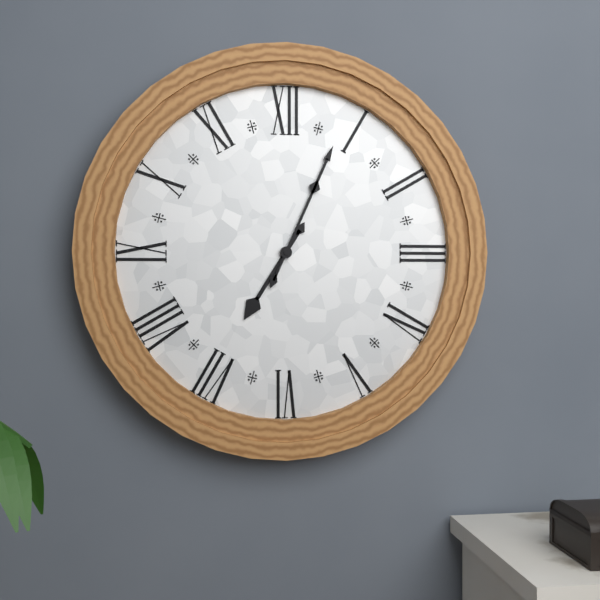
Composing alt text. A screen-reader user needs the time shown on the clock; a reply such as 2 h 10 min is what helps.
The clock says 7 h 04 min
